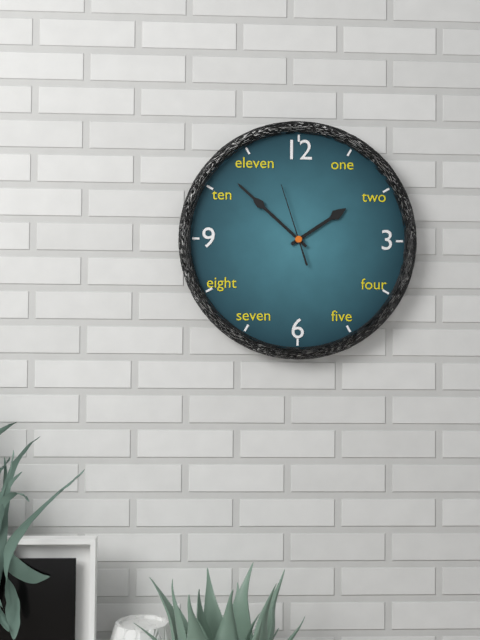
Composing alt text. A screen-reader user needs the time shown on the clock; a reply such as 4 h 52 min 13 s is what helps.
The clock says 1 h 52 min 57 s
